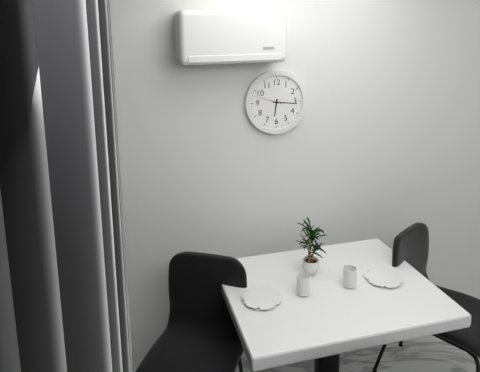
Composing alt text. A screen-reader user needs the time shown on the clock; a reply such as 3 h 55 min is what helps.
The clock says 6 h 16 min
